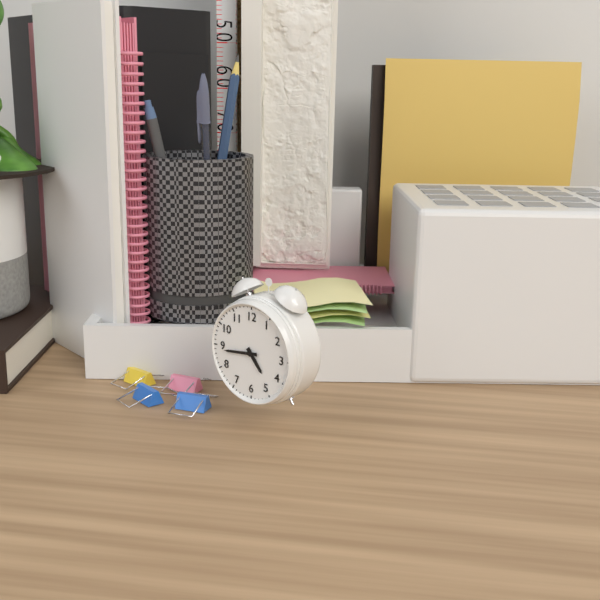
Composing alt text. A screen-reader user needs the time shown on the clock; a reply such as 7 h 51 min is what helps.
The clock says 4 h 44 min
